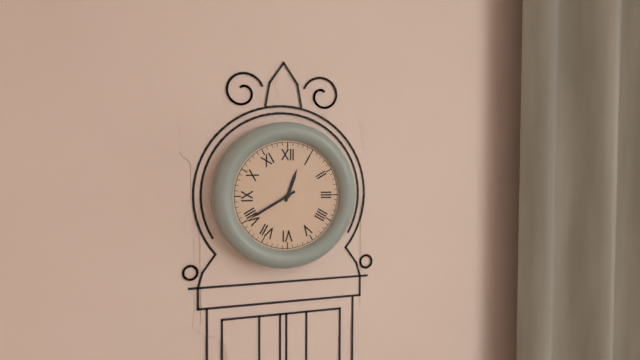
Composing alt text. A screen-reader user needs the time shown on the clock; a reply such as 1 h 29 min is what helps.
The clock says 12 h 40 min
